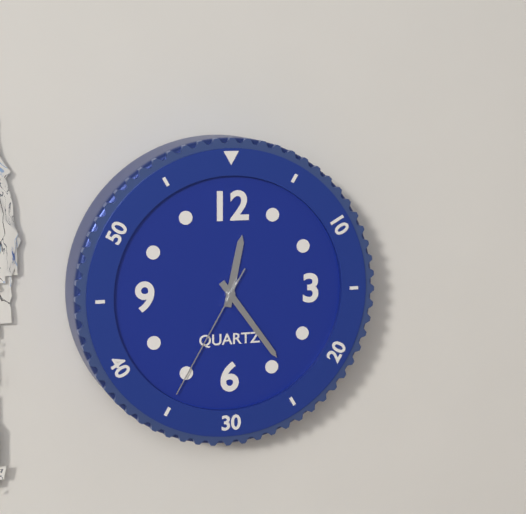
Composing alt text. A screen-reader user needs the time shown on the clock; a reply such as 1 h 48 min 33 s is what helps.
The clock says 12 h 24 min 35 s
